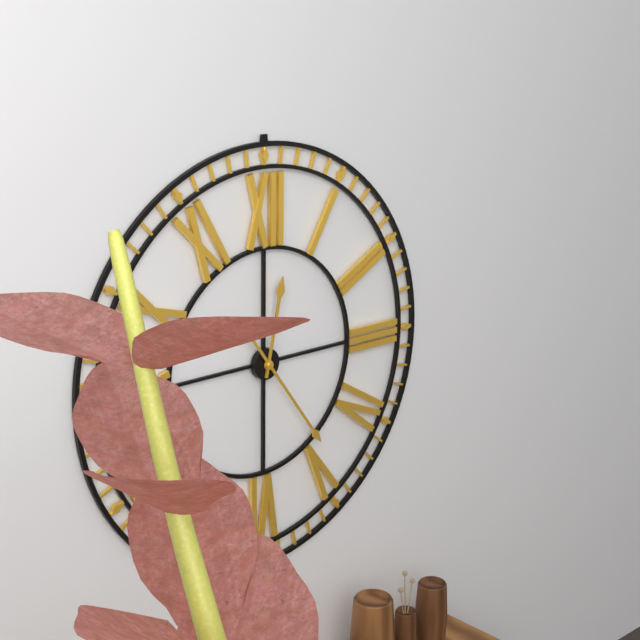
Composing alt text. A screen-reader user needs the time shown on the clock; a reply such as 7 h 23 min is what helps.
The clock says 12 h 24 min
